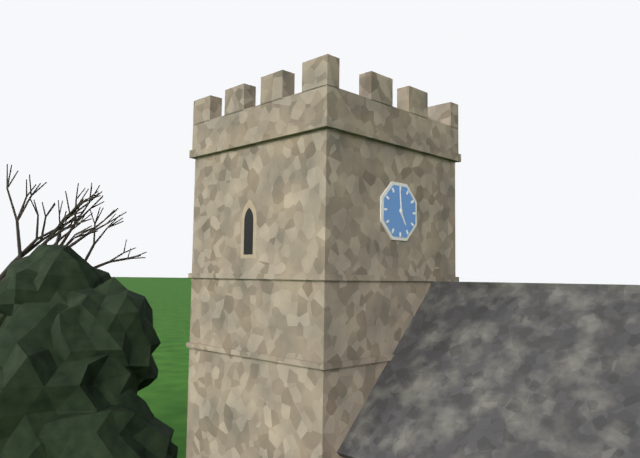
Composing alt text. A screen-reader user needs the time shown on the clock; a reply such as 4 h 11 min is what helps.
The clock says 4 h 59 min
